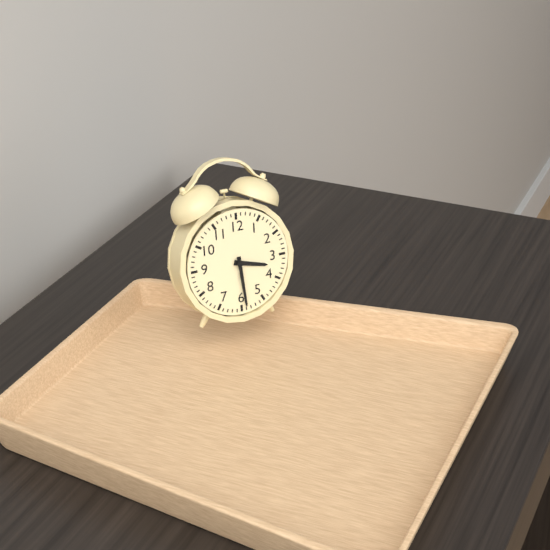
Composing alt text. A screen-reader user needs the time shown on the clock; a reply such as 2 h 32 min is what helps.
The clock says 3 h 29 min
